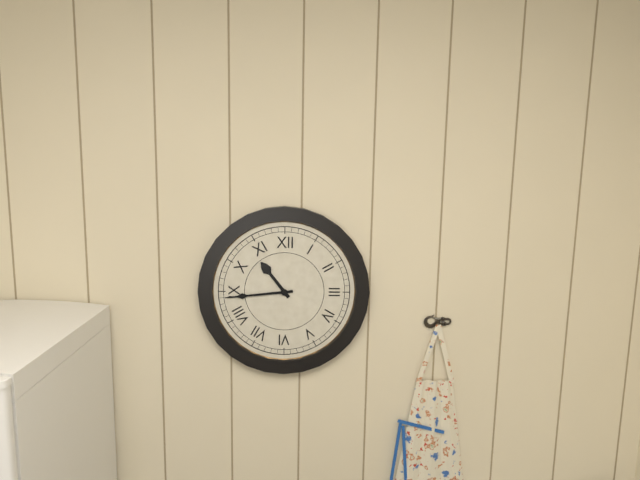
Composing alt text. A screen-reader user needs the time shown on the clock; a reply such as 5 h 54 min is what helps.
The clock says 10 h 44 min
